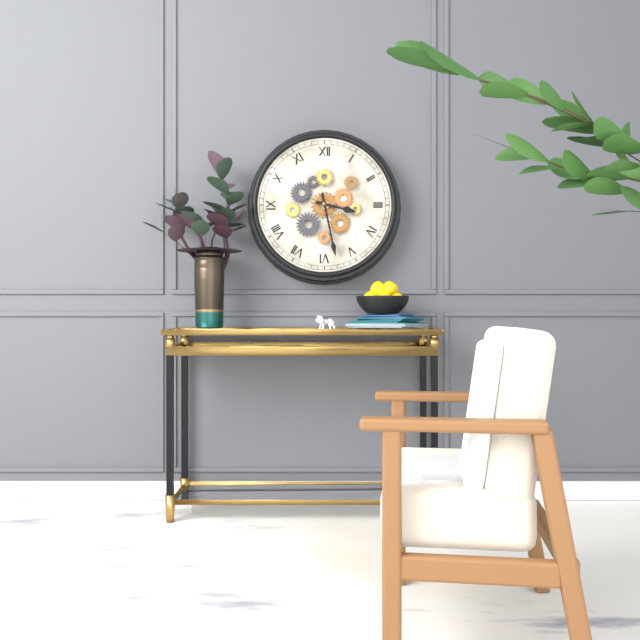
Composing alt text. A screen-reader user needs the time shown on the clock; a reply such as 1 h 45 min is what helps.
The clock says 3 h 28 min
